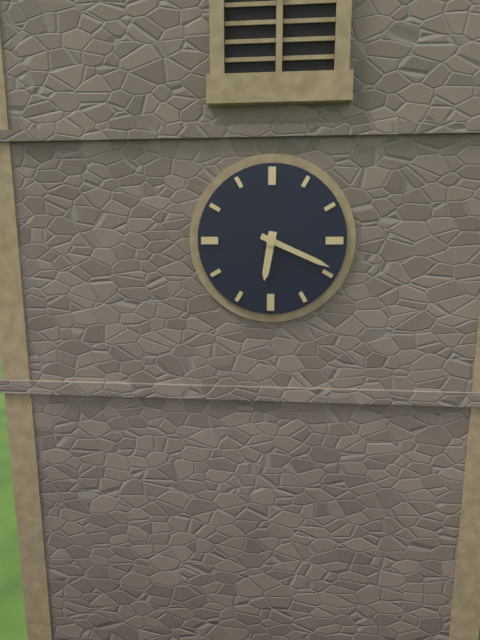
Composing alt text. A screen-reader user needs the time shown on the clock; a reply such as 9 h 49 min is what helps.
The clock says 6 h 19 min
